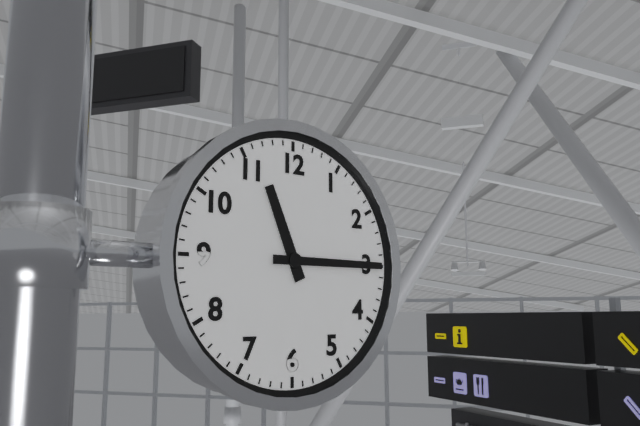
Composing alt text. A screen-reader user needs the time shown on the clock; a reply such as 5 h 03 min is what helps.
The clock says 11 h 15 min
